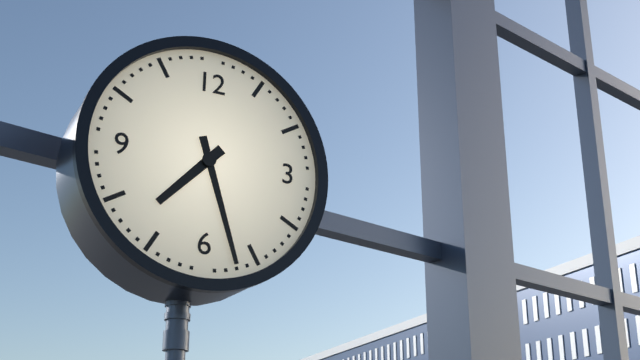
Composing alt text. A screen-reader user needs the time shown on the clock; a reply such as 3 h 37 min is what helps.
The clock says 7 h 27 min
